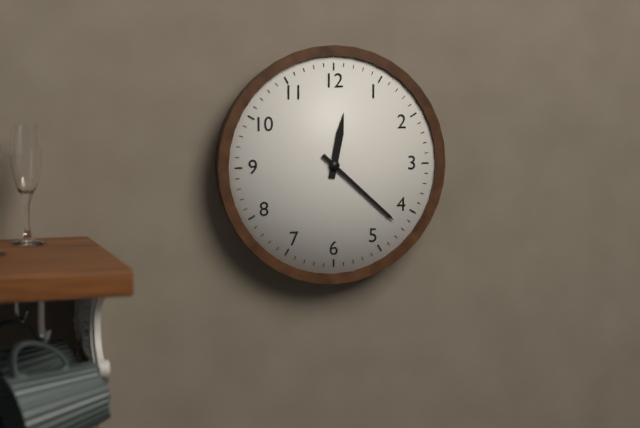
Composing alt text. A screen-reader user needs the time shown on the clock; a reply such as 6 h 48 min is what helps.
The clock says 12 h 22 min
